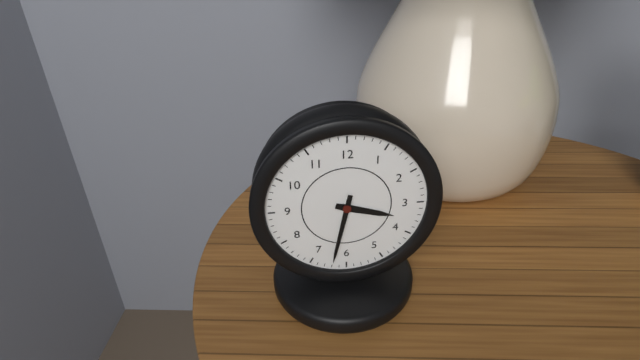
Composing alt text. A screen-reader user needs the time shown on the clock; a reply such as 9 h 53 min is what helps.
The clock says 3 h 32 min
